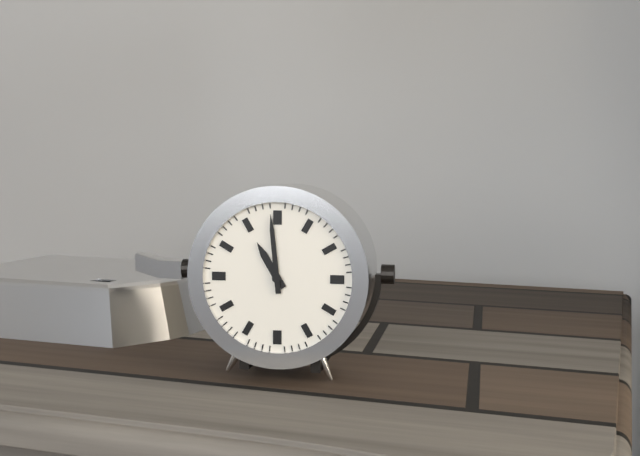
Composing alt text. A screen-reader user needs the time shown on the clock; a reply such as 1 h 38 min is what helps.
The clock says 10 h 59 min
